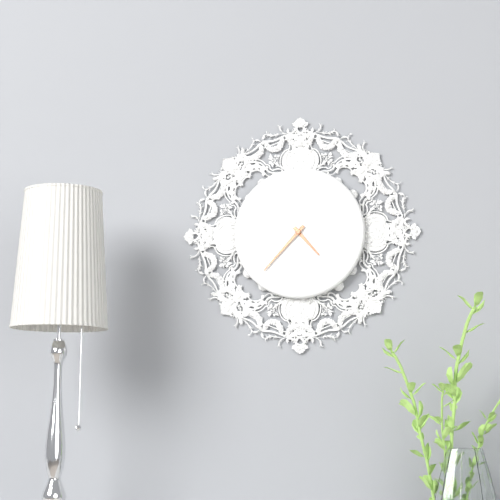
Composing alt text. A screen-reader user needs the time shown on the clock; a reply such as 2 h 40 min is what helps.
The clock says 4 h 37 min
